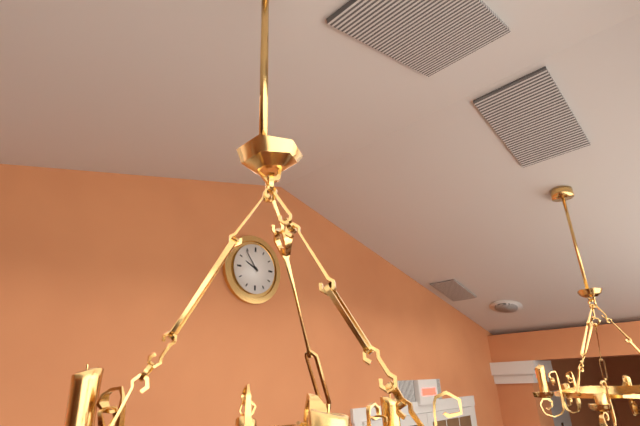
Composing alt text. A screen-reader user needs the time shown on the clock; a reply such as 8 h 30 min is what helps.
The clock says 9 h 54 min
